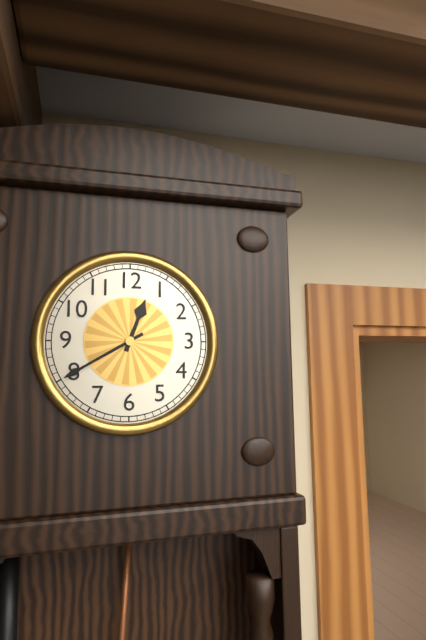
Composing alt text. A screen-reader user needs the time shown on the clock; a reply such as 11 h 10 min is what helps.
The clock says 12 h 40 min
